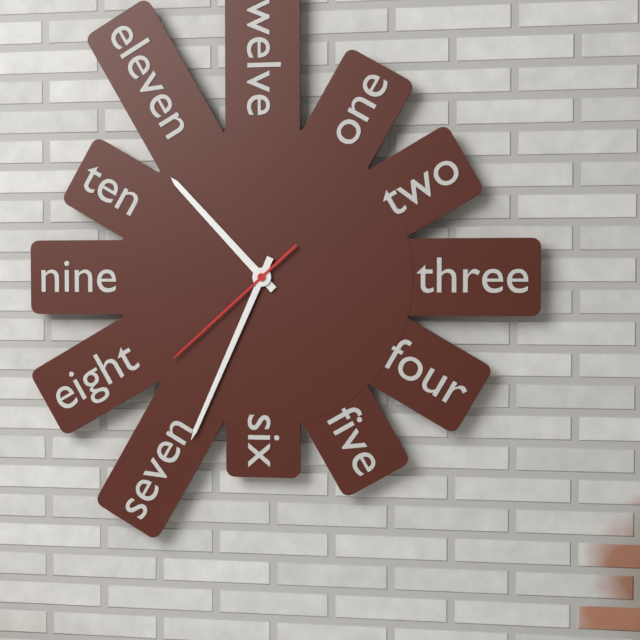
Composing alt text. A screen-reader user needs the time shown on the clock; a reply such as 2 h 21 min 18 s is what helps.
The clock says 10 h 34 min 38 s
